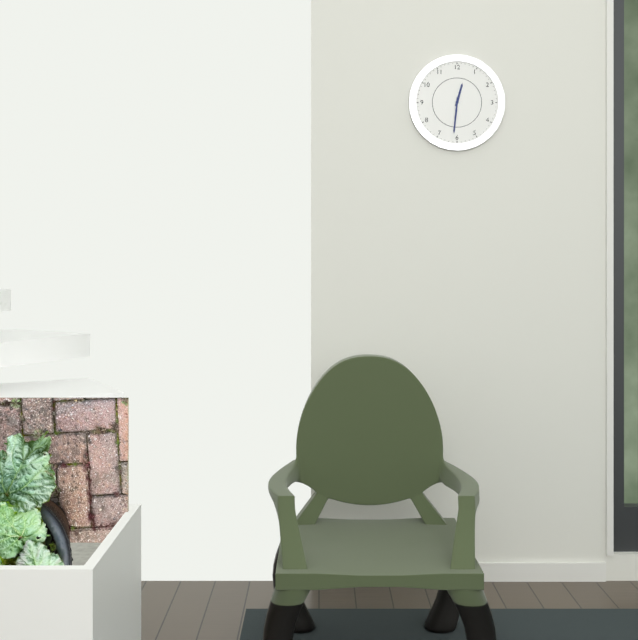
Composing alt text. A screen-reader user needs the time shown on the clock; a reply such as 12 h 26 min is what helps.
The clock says 12 h 31 min
